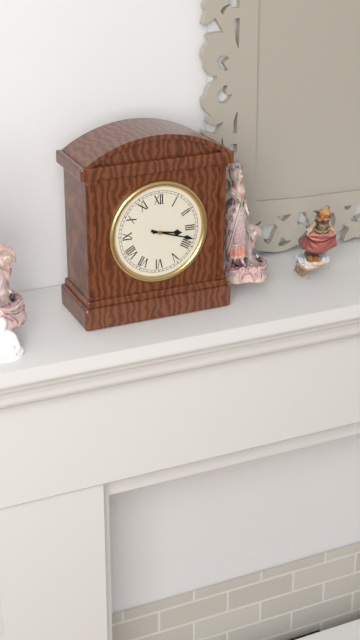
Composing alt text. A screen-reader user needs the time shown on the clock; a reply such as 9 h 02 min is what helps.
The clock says 3 h 18 min
